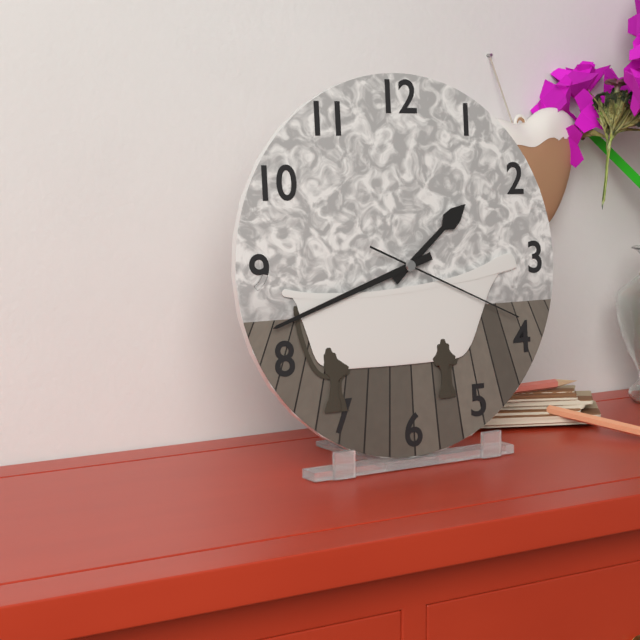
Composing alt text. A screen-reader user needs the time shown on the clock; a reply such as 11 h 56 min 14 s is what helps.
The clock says 1 h 42 min 19 s
